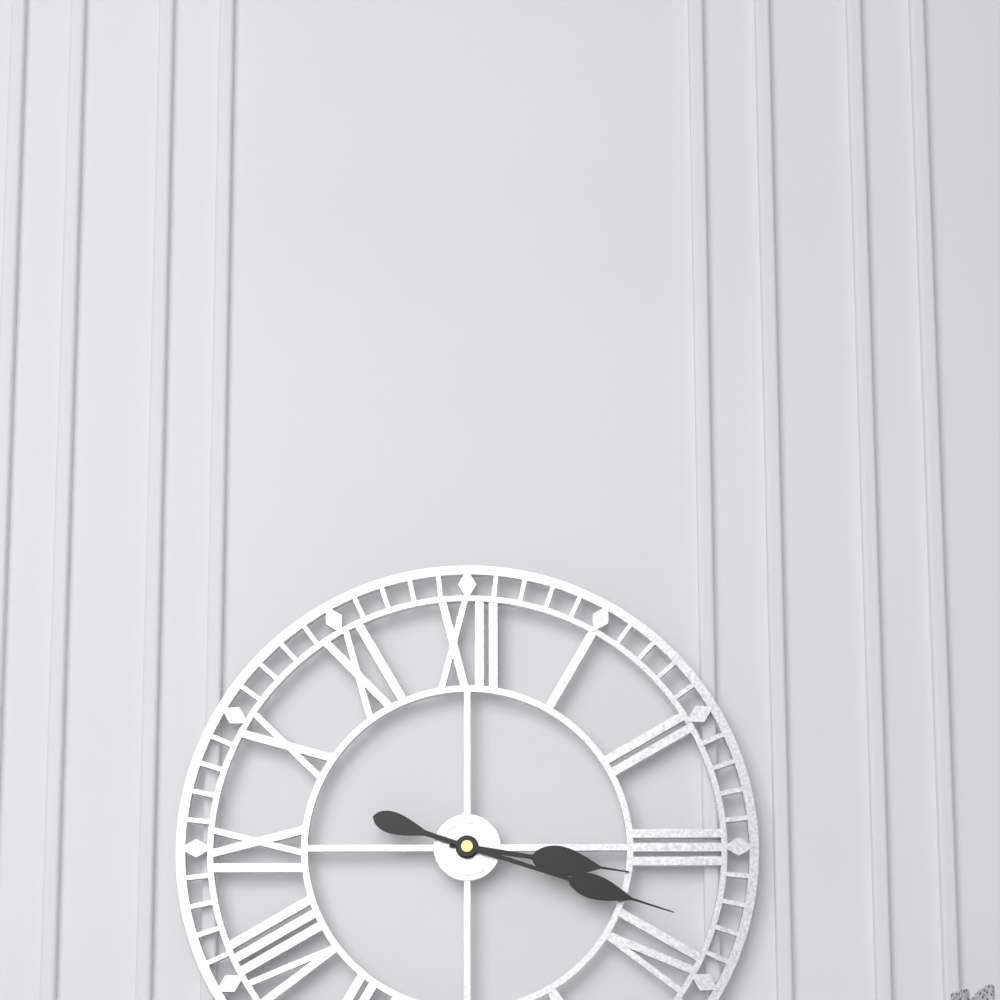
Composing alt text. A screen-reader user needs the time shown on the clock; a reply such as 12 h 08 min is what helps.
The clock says 3 h 18 min
